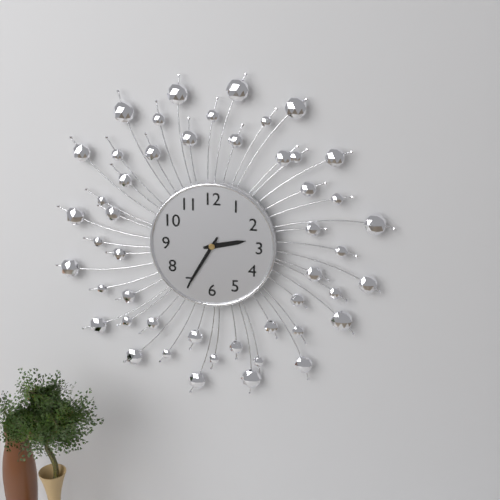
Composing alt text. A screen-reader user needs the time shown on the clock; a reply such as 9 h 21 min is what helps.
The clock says 2 h 35 min
